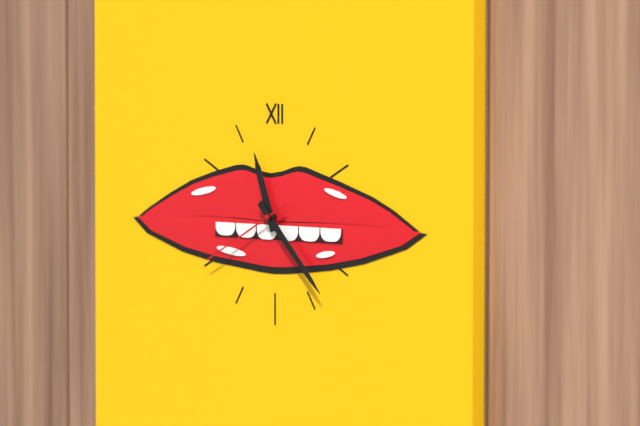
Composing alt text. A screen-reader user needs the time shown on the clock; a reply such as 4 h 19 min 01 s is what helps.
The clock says 11 h 23 min 40 s
